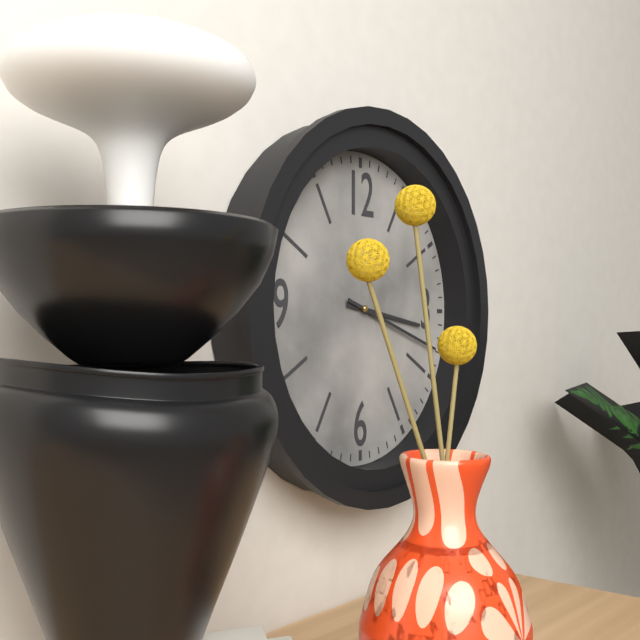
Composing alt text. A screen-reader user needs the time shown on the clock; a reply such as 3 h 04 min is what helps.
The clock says 3 h 18 min
